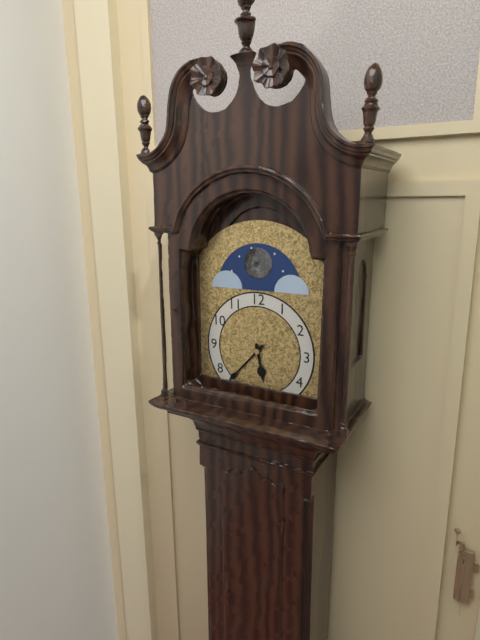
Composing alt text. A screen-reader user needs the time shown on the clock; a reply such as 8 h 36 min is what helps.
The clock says 5 h 37 min
